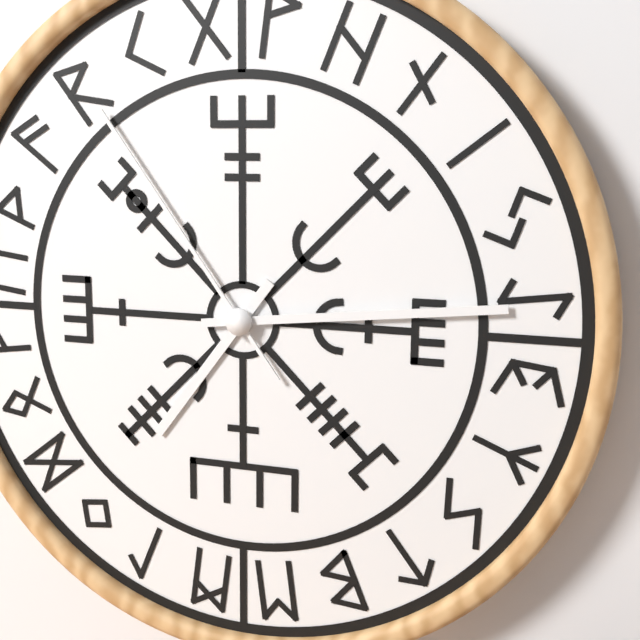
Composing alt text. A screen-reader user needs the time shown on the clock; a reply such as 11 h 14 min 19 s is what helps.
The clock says 7 h 14 min 54 s
